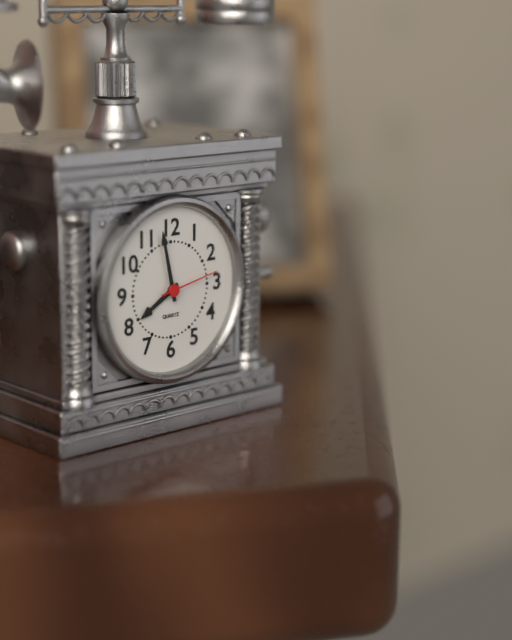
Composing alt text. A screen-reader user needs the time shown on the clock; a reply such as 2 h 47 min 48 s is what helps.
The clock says 7 h 58 min 13 s
